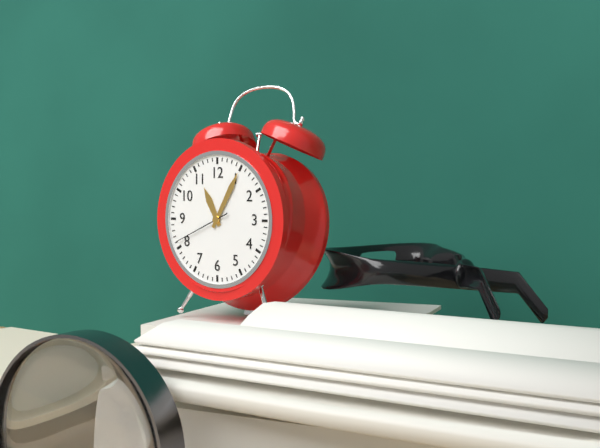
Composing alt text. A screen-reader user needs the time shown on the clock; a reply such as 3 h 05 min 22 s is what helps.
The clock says 11 h 05 min 41 s
